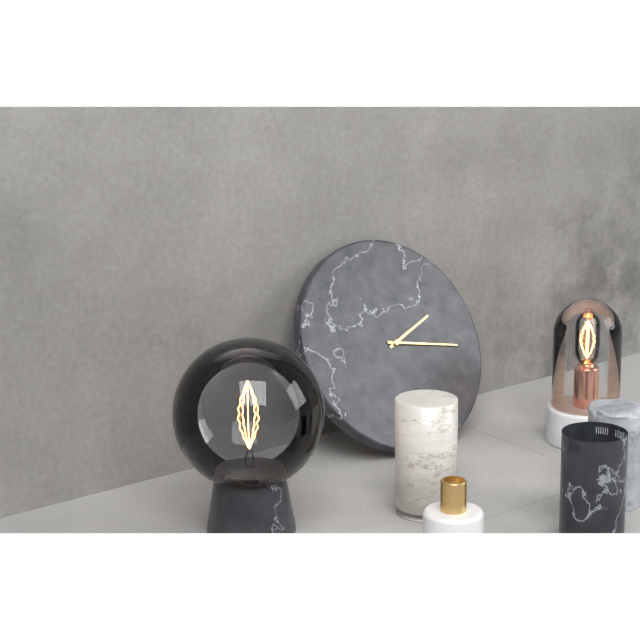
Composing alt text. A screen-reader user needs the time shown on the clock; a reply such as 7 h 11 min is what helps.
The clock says 2 h 17 min
